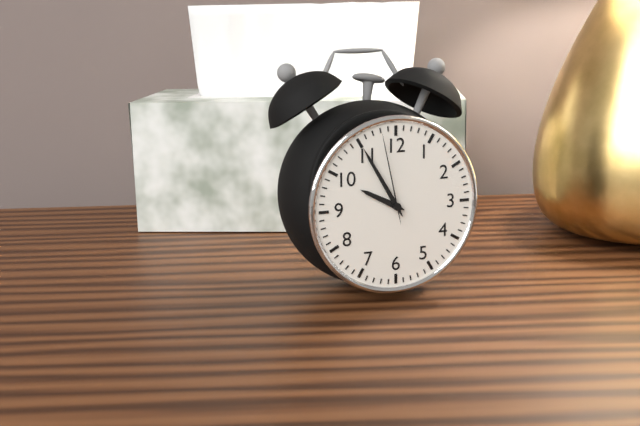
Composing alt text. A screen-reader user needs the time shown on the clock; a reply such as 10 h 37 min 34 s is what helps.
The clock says 9 h 55 min 58 s
